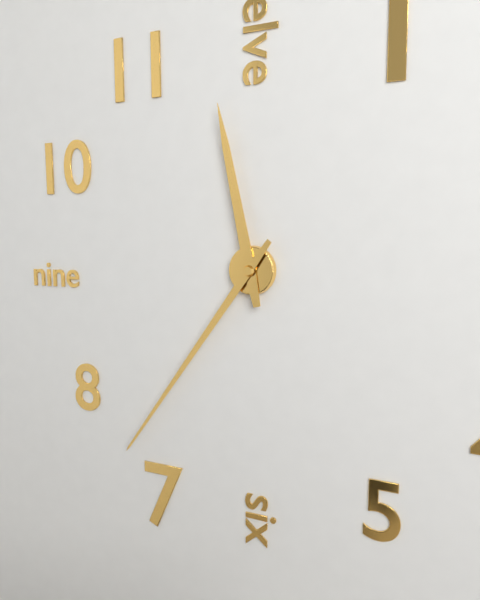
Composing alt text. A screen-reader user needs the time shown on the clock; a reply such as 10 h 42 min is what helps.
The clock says 11 h 36 min
